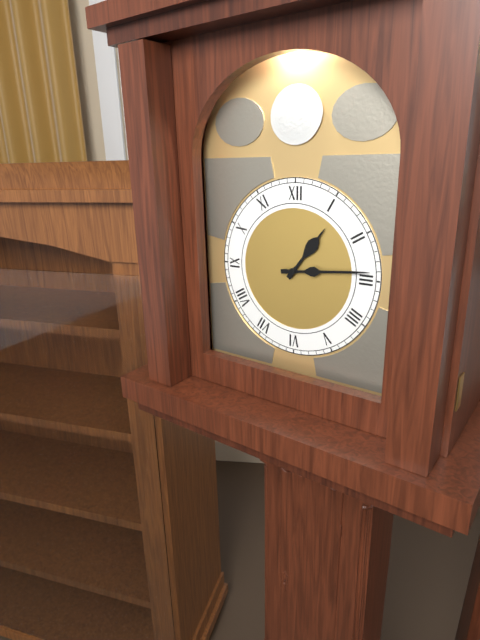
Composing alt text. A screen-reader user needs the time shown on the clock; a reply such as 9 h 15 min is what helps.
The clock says 1 h 14 min
